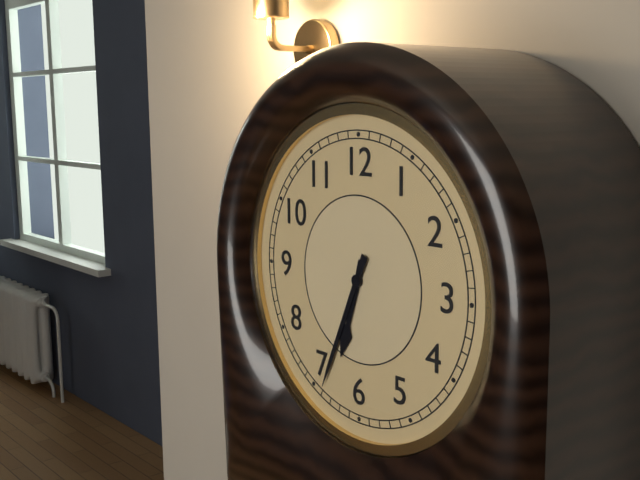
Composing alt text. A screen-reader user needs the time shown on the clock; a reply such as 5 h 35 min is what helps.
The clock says 6 h 34 min
